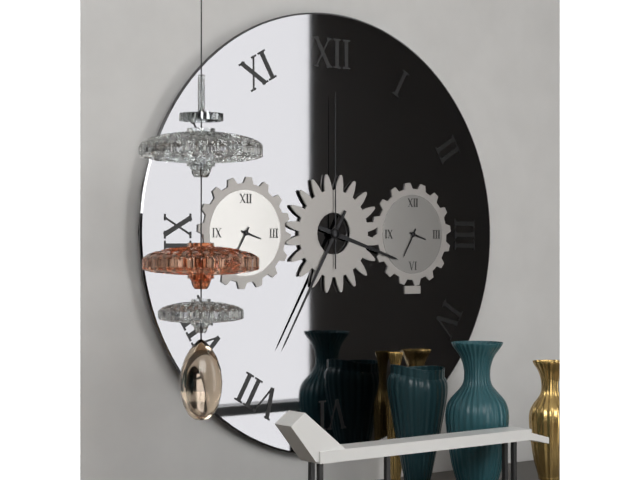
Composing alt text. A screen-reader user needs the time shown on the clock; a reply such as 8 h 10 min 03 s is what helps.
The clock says 3 h 35 min 00 s
